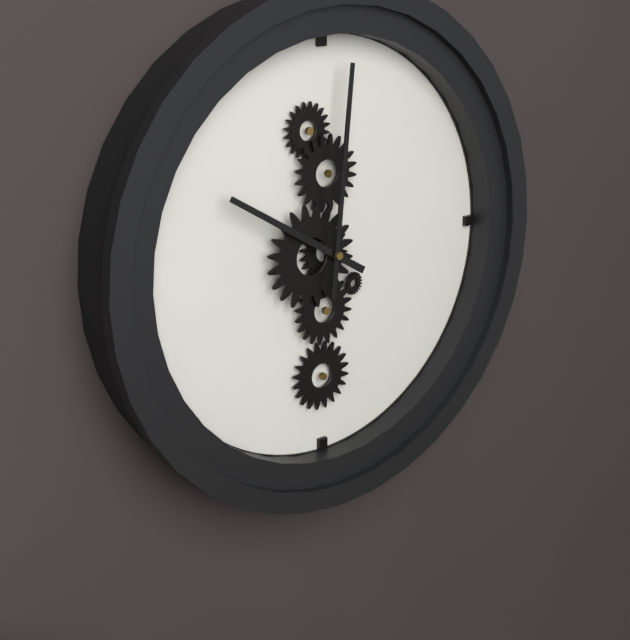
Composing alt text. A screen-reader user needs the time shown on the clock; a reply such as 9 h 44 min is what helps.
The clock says 10 h 01 min
